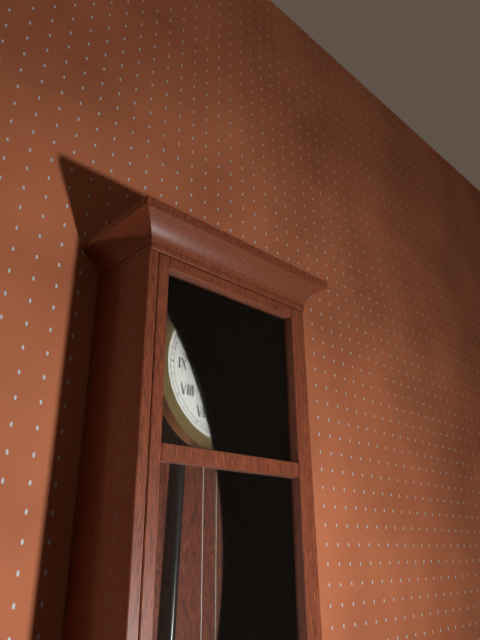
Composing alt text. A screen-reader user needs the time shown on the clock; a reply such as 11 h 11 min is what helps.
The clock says 9 h 20 min
